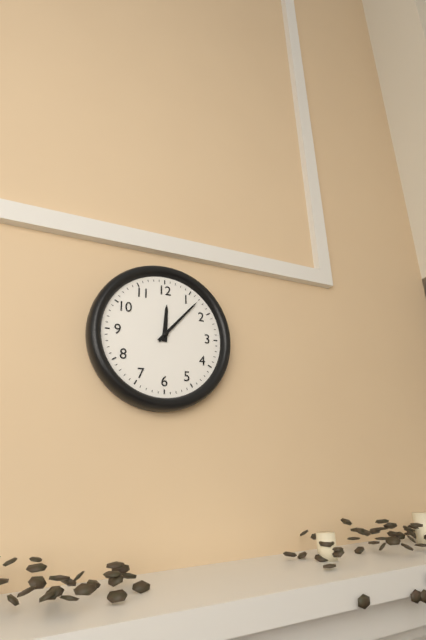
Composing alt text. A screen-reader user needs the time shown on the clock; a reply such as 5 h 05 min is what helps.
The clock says 12 h 07 min
